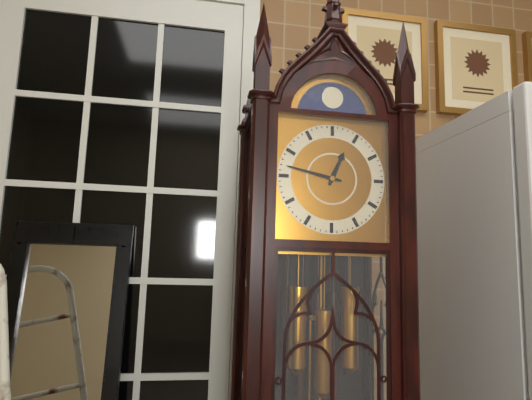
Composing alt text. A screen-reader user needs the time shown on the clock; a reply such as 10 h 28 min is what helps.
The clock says 12 h 47 min
